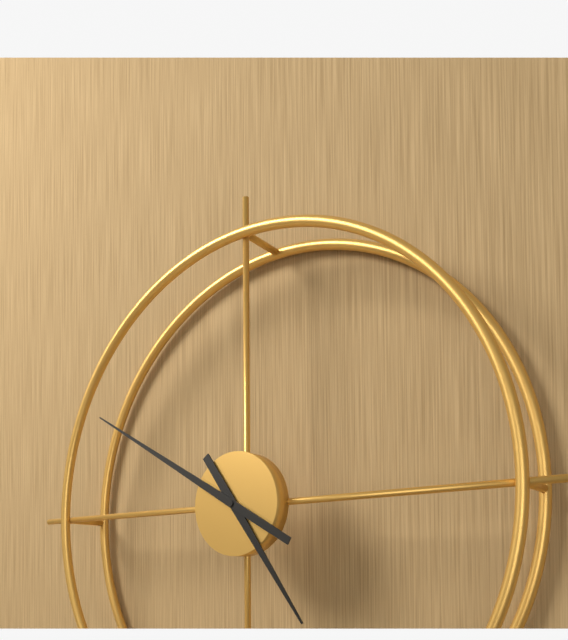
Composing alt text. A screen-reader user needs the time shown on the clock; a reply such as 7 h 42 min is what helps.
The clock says 4 h 50 min
